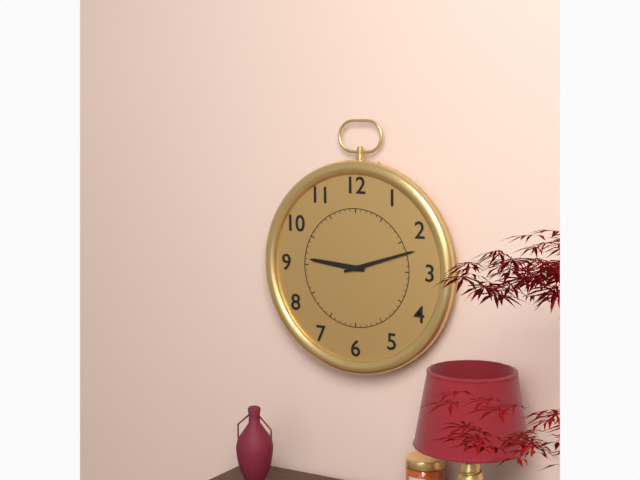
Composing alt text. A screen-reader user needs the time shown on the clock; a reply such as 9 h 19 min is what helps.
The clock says 9 h 12 min
